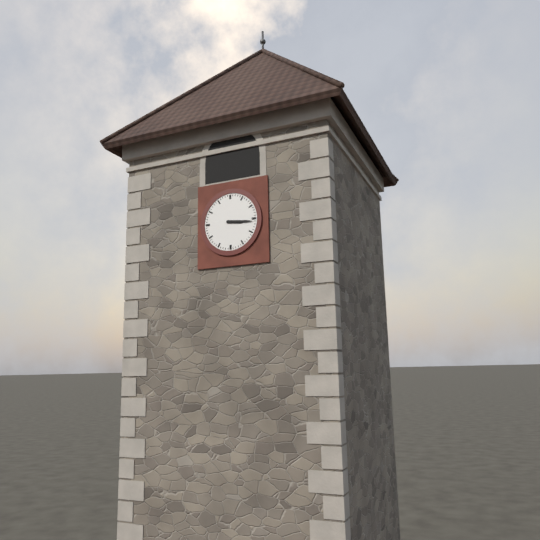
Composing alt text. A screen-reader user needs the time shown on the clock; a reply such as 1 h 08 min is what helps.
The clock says 3 h 16 min
